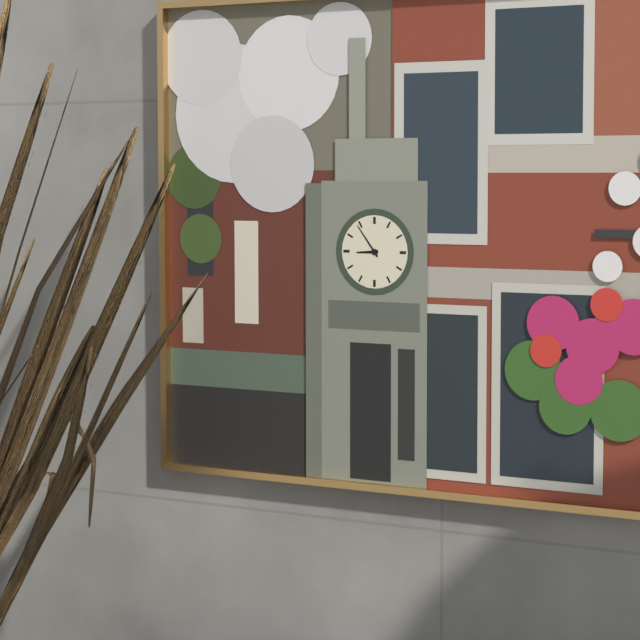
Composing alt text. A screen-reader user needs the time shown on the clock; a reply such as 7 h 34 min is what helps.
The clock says 8 h 54 min
